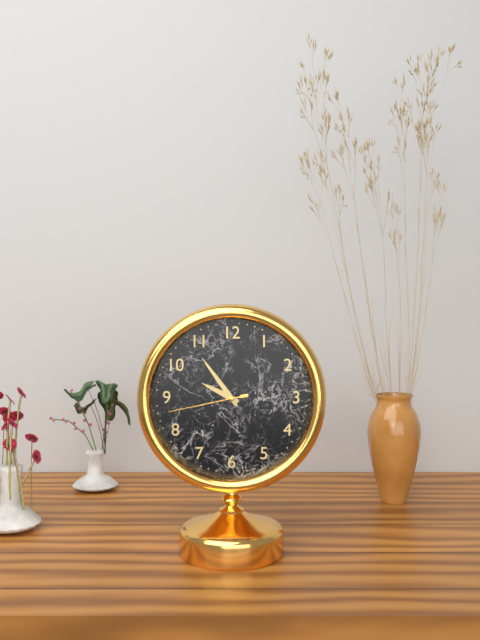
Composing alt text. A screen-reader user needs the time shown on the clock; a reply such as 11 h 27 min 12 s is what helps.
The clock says 9 h 54 min 43 s
